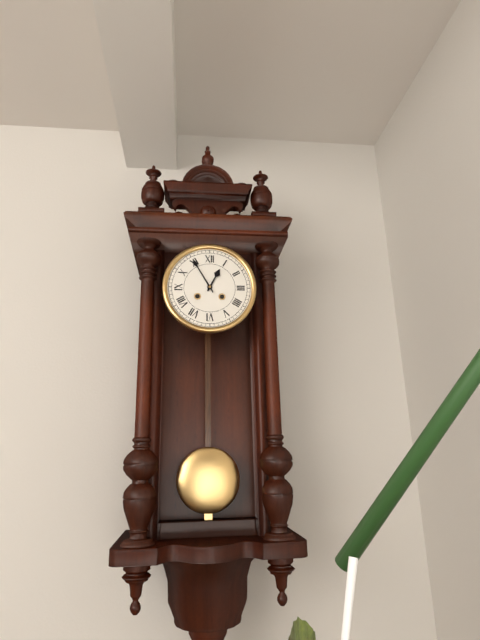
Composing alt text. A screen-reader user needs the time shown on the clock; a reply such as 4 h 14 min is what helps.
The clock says 12 h 55 min
